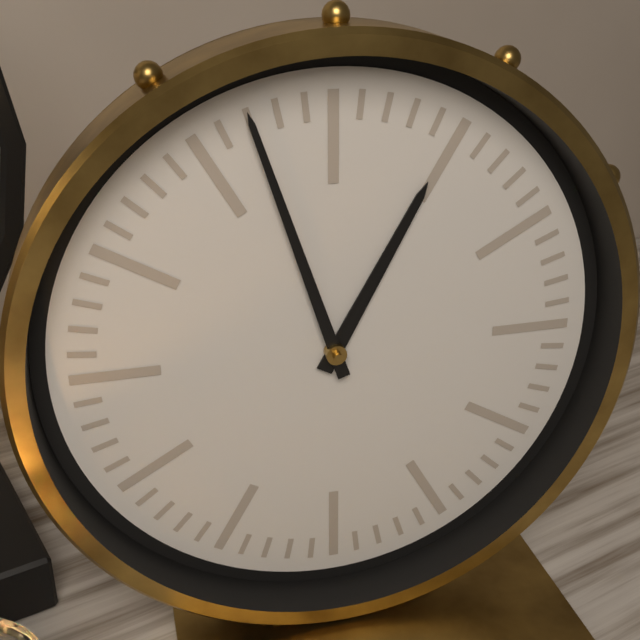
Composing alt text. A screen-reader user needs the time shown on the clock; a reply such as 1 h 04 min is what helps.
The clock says 12 h 57 min
